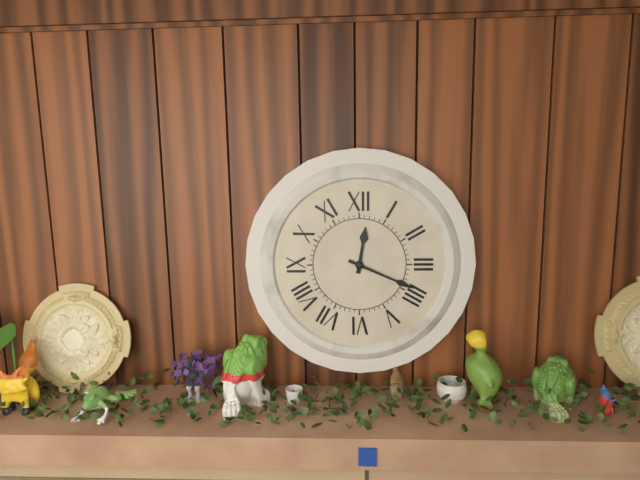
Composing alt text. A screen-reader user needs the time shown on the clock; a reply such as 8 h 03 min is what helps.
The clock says 12 h 19 min
